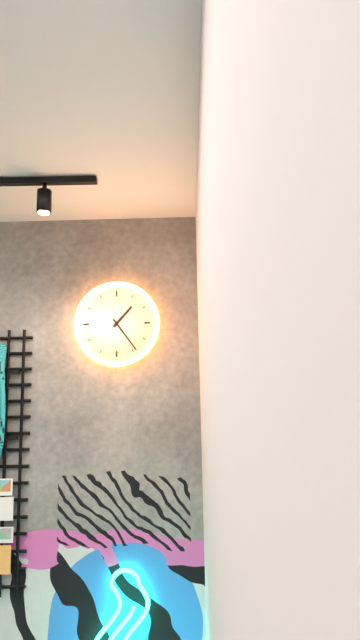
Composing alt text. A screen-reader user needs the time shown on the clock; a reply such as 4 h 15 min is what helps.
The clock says 1 h 24 min
